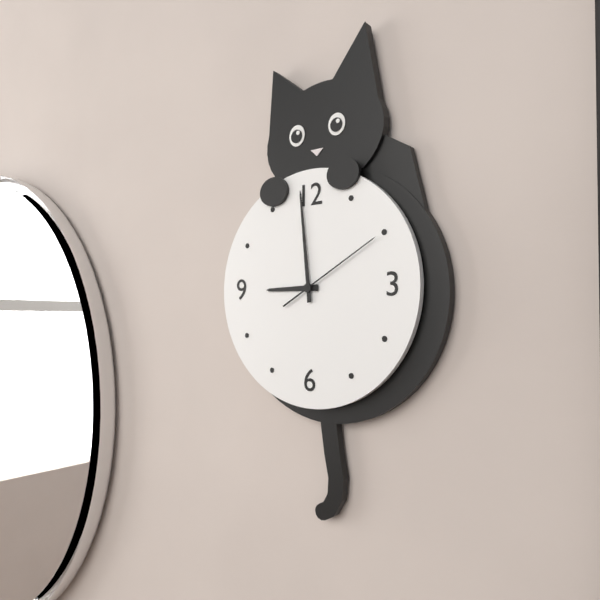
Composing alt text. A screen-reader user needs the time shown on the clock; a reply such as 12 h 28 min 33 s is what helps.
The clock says 8 h 59 min 10 s
